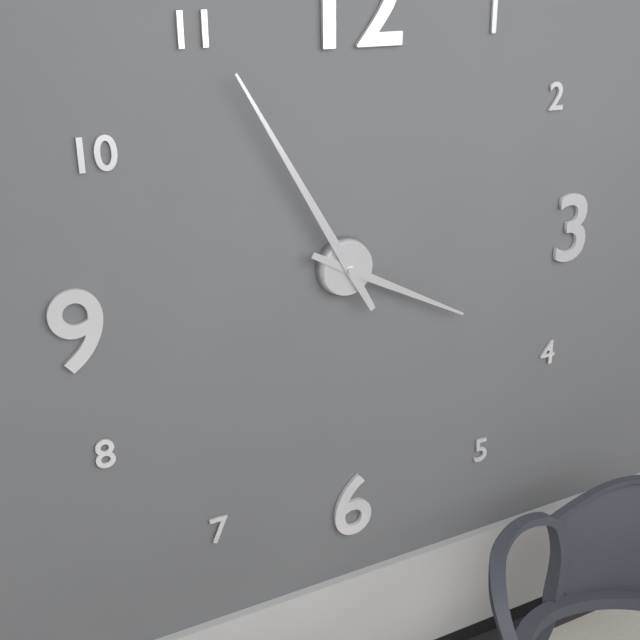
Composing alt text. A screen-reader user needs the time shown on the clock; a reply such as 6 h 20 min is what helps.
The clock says 3 h 55 min
